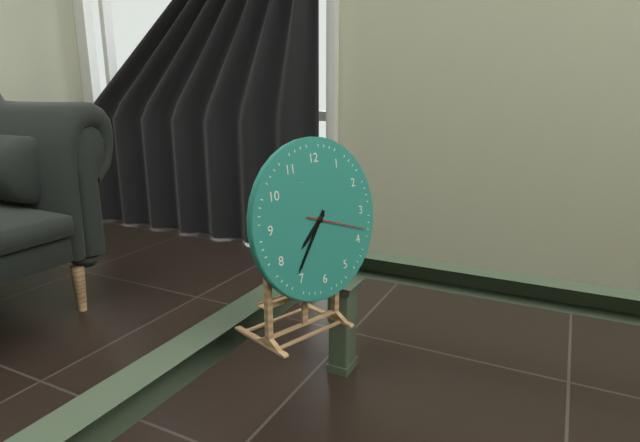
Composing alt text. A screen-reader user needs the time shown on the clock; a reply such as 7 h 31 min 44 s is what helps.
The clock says 7 h 36 min 18 s
